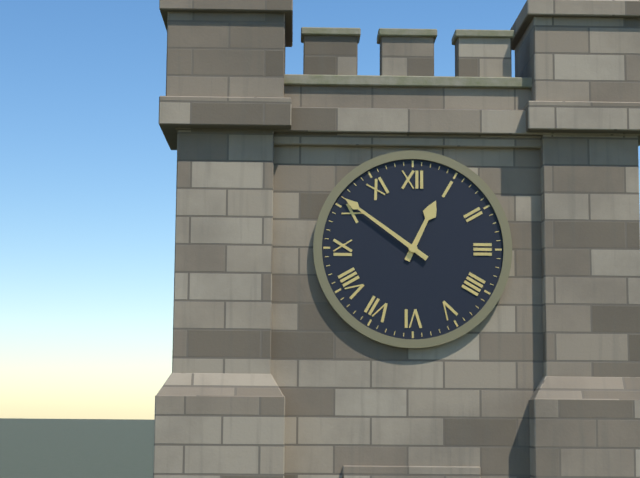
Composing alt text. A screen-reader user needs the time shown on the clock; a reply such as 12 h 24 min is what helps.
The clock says 12 h 51 min
